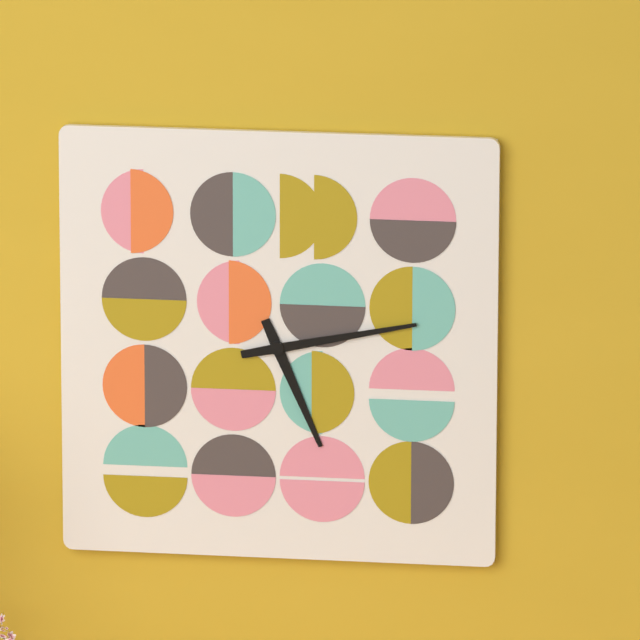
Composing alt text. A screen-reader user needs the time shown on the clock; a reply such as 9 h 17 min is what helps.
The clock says 5 h 13 min
